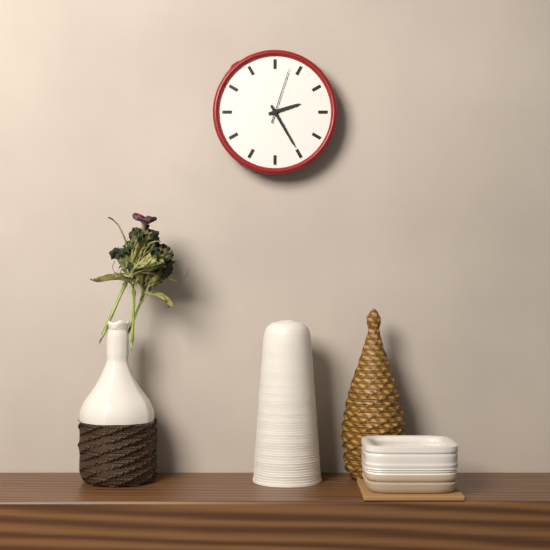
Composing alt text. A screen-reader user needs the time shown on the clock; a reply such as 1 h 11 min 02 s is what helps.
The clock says 2 h 25 min 03 s
